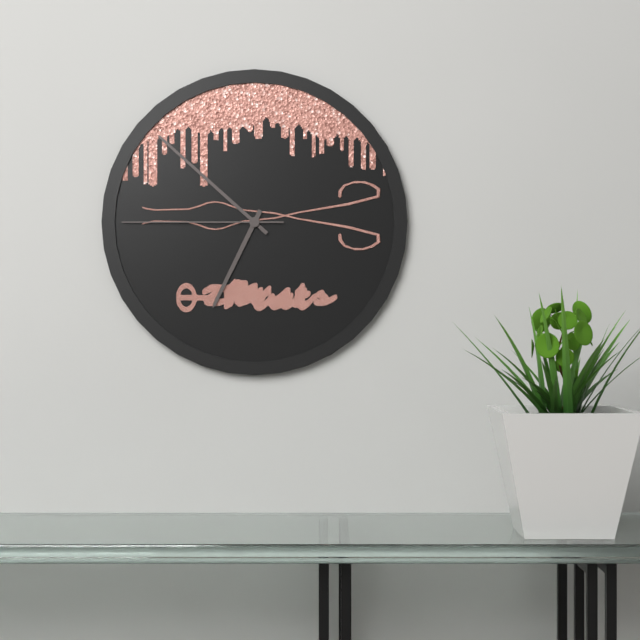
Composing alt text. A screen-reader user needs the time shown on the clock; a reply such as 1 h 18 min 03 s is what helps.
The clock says 6 h 52 min 45 s
